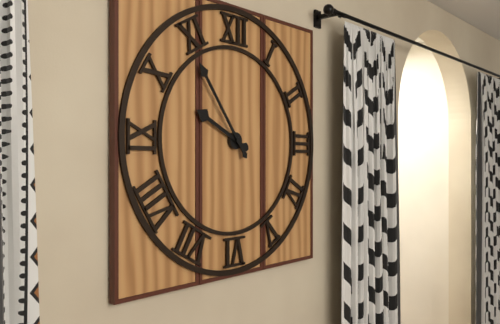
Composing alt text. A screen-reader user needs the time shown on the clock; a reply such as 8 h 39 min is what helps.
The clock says 9 h 54 min
